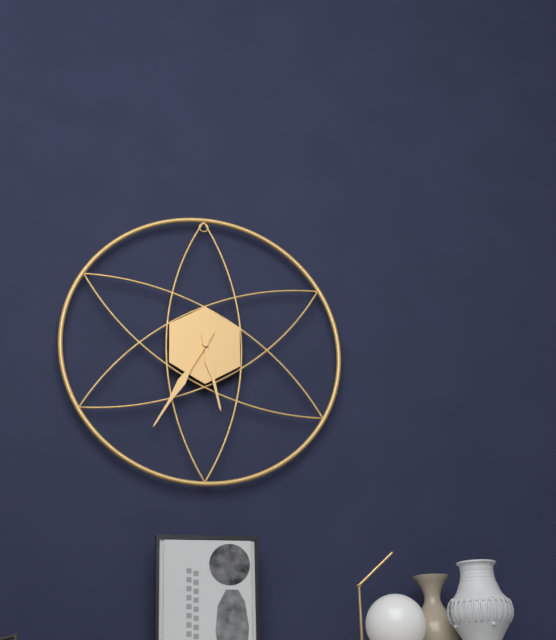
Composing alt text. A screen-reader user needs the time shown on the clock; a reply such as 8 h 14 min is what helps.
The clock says 5 h 35 min
